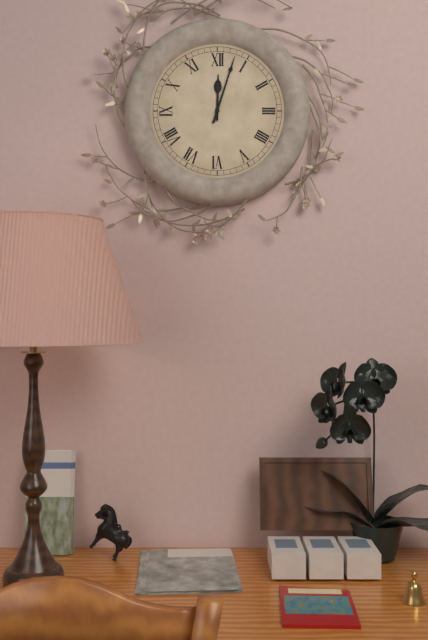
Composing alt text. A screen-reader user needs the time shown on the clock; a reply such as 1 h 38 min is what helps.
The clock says 12 h 03 min
